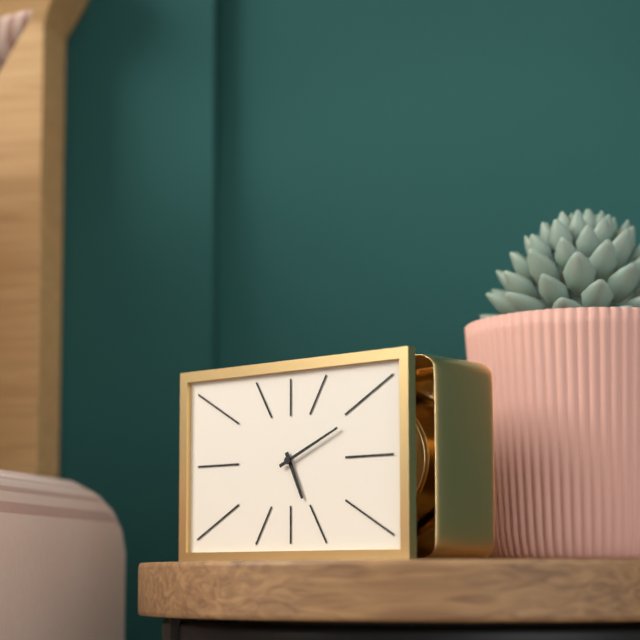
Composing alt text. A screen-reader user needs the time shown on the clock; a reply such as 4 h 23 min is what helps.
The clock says 5 h 11 min
